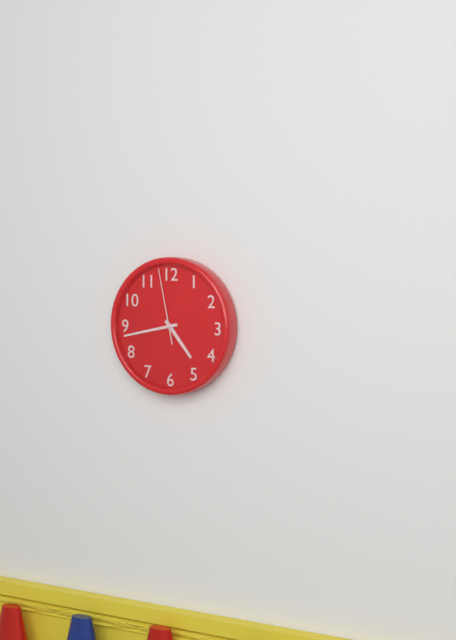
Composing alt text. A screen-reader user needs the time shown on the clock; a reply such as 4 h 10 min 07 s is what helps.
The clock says 4 h 43 min 58 s
